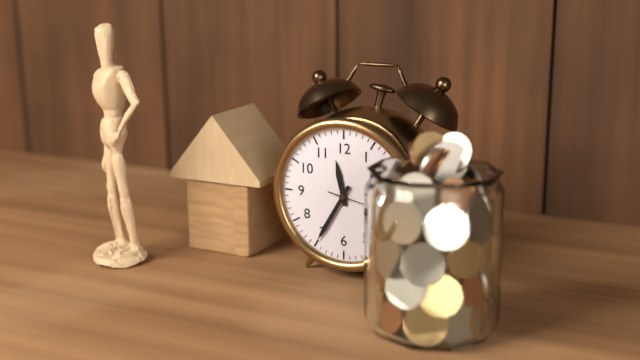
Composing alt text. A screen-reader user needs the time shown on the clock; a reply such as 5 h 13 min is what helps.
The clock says 11 h 35 min
